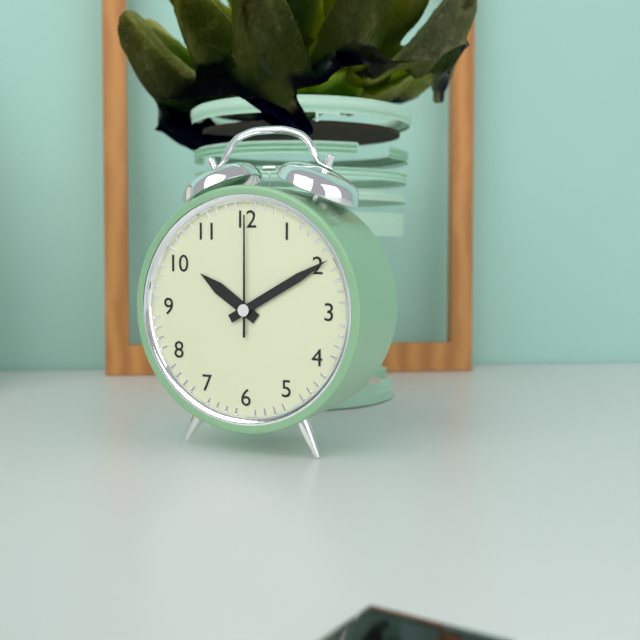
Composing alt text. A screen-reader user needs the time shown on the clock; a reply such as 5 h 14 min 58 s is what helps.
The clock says 10 h 10 min 00 s
